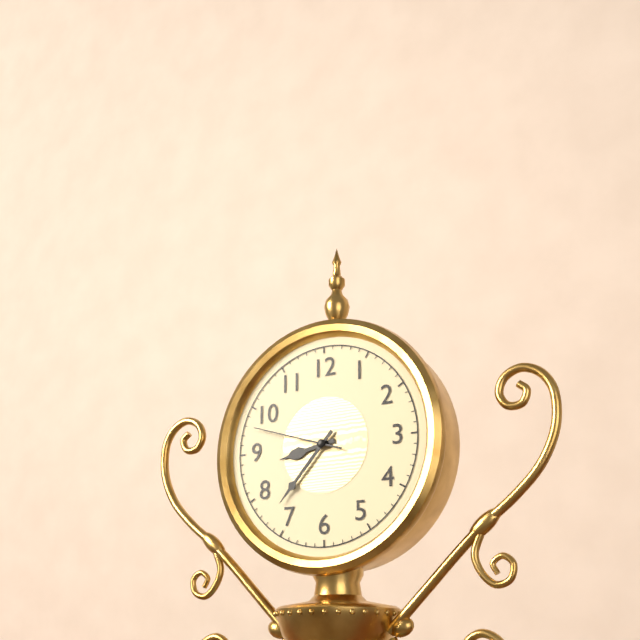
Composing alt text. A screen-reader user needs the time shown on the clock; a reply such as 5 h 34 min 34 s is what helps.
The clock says 8 h 37 min 48 s
